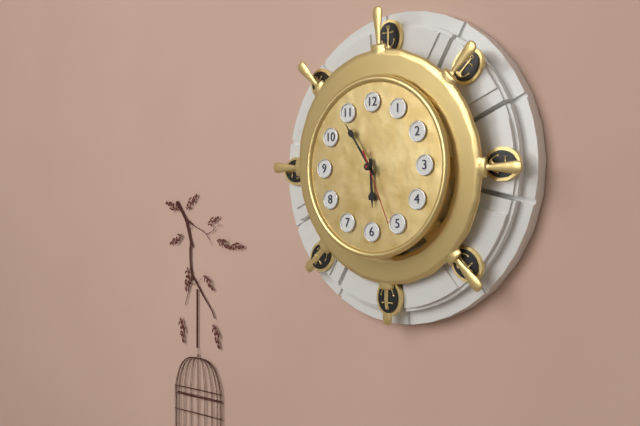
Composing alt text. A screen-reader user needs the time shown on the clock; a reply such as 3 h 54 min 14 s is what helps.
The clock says 5 h 54 min 26 s
